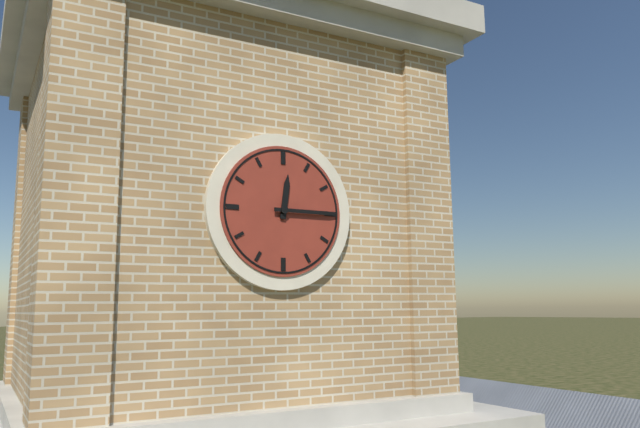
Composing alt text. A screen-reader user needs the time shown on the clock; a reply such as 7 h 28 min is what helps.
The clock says 12 h 15 min
